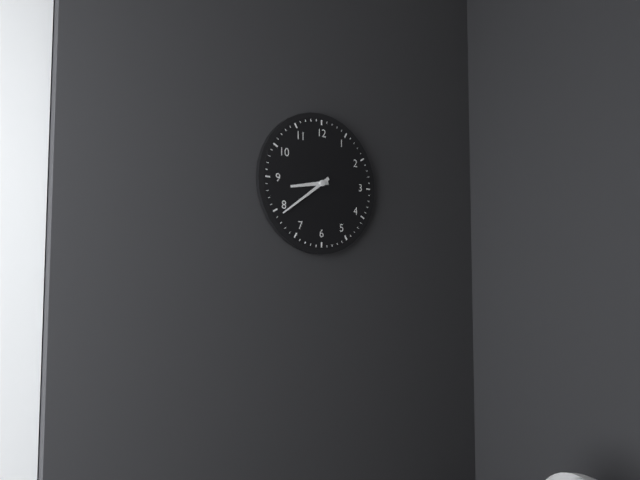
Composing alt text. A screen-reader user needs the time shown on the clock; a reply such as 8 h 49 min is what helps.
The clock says 8 h 39 min
